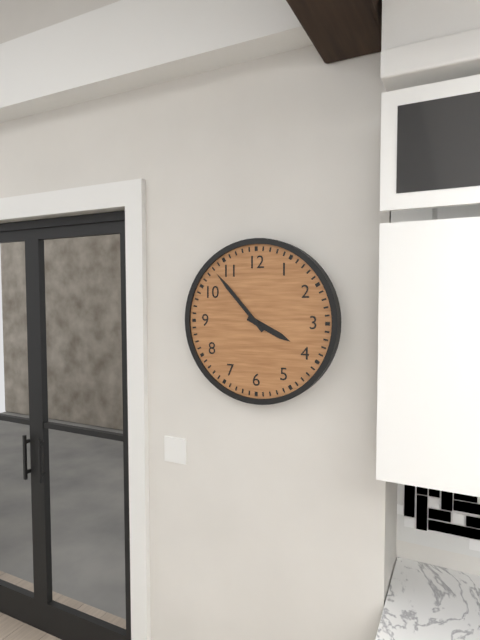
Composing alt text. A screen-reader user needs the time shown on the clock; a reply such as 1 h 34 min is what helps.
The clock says 3 h 53 min
